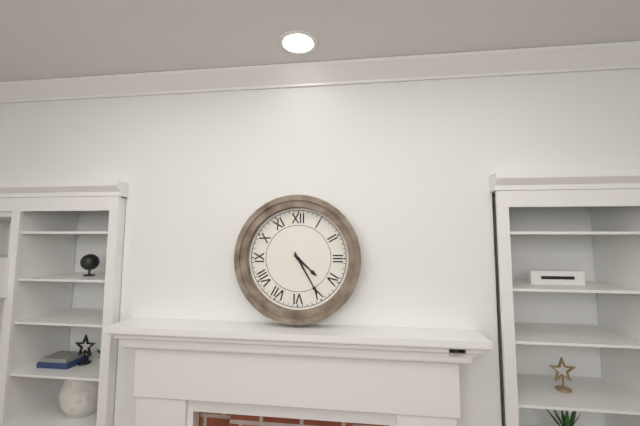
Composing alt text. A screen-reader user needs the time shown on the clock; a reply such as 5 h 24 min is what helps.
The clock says 4 h 25 min
